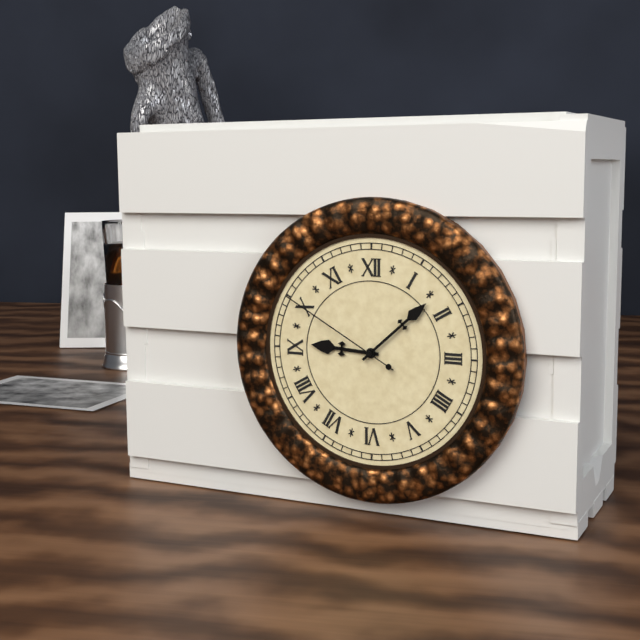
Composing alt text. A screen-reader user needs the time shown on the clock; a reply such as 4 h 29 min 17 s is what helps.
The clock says 9 h 08 min 50 s
